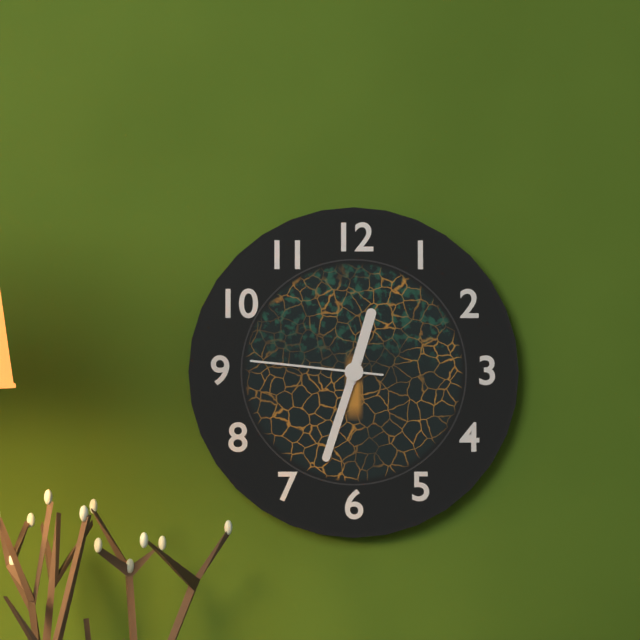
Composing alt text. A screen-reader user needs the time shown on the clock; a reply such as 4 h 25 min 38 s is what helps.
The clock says 12 h 33 min 46 s
